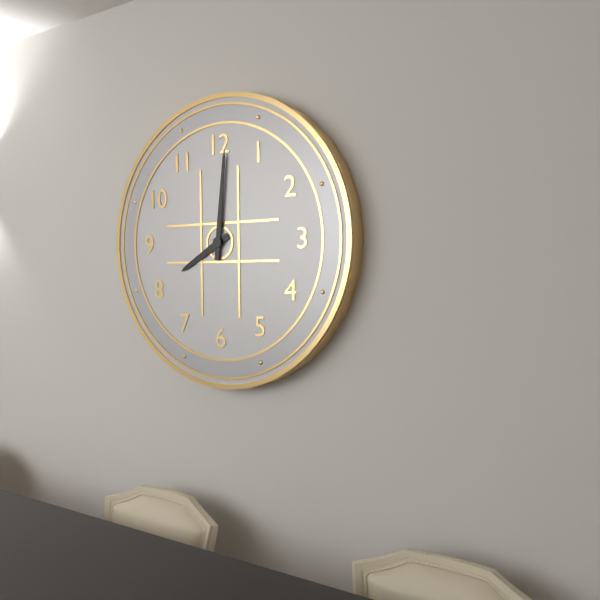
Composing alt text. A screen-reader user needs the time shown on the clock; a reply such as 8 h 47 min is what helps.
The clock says 8 h 01 min
